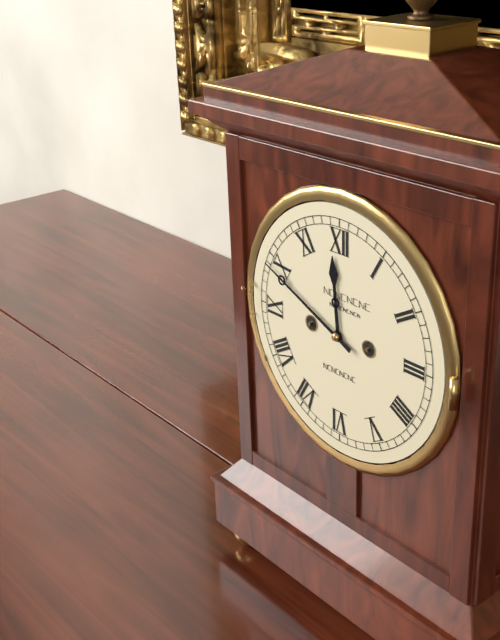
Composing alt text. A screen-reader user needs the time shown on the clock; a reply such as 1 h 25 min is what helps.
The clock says 11 h 49 min
